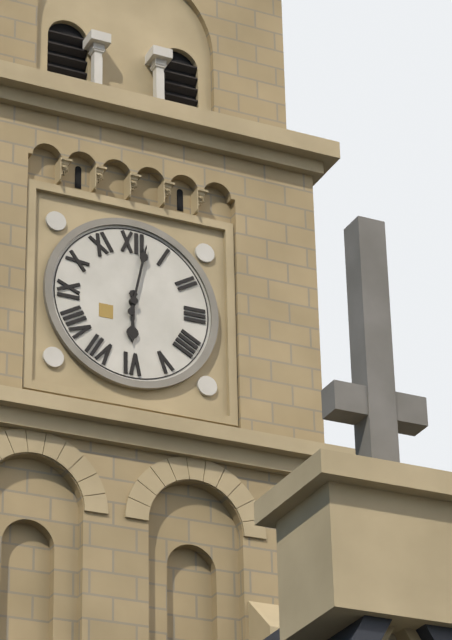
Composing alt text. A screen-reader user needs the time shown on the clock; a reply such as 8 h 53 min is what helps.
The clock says 6 h 02 min
